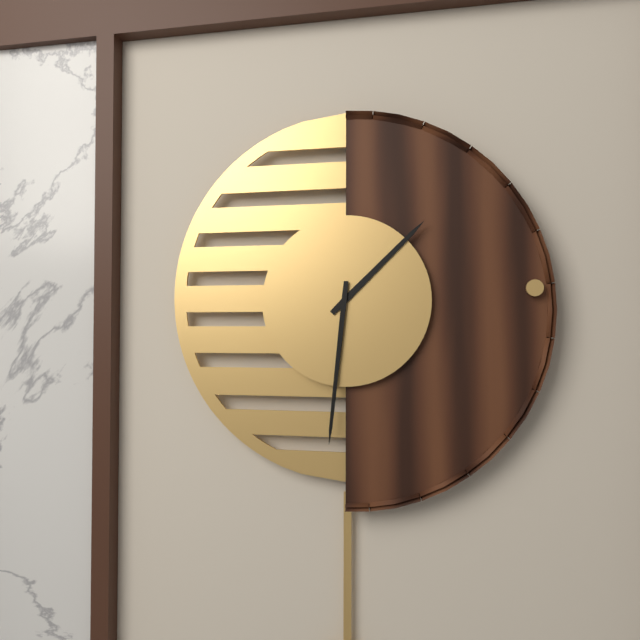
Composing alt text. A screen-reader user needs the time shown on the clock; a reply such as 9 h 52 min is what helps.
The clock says 1 h 31 min
